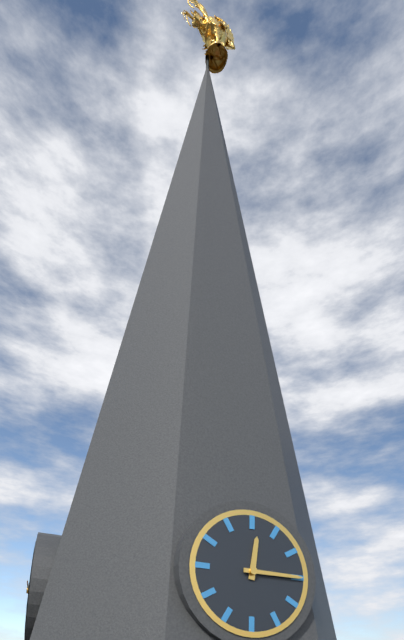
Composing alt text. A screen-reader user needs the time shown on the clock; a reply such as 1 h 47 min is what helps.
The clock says 12 h 15 min
